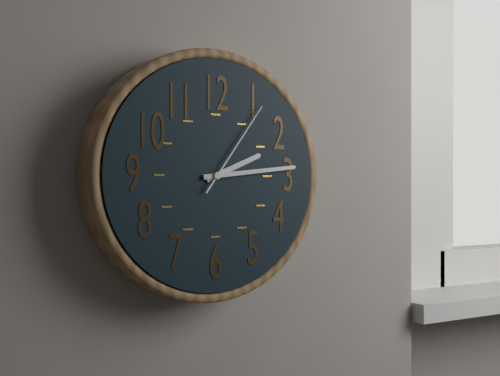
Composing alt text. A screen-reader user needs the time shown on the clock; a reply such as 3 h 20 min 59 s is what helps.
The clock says 2 h 14 min 06 s
